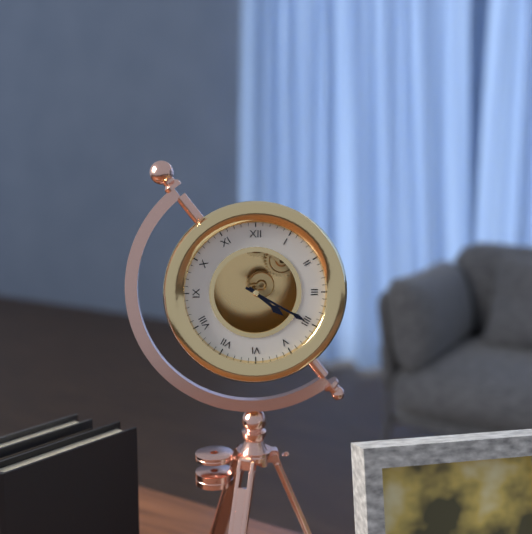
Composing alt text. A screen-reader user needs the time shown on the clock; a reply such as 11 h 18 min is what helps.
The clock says 4 h 20 min
